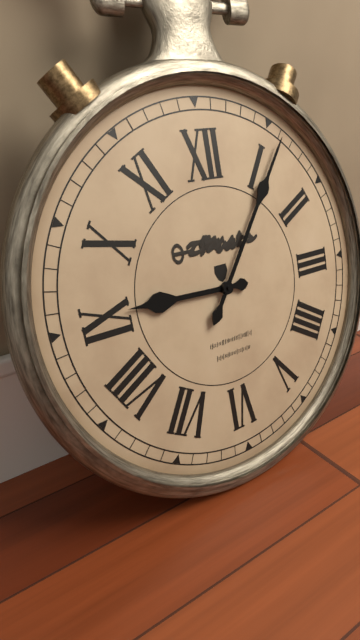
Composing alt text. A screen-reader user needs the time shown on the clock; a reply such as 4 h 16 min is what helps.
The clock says 9 h 06 min
